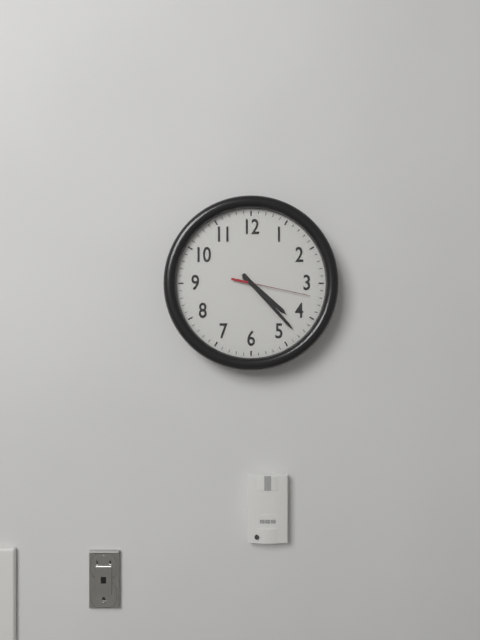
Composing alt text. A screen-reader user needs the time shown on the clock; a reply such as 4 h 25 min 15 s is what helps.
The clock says 4 h 23 min 17 s
